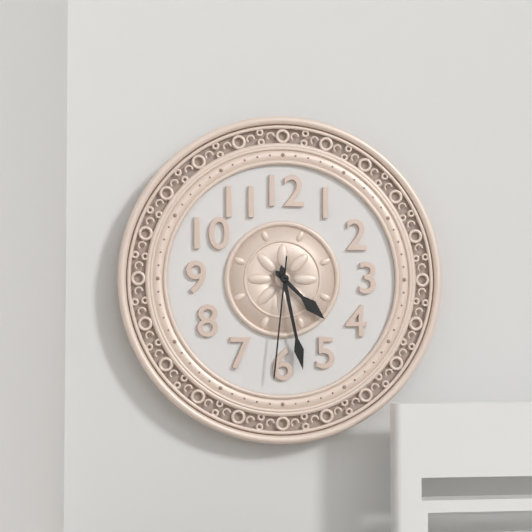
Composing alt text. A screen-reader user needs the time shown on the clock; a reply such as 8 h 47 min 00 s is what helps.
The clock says 4 h 28 min 31 s
